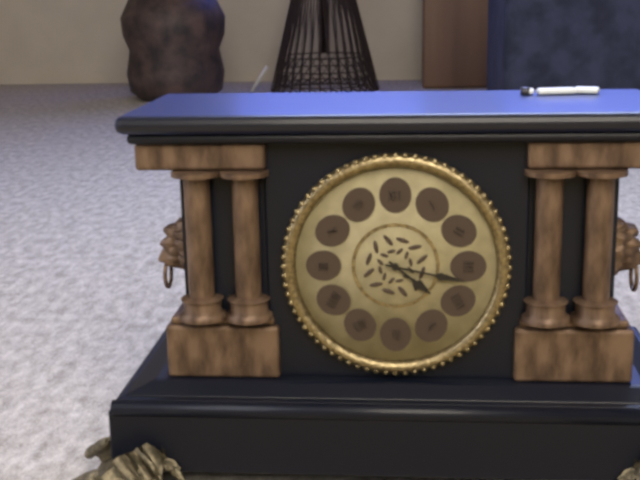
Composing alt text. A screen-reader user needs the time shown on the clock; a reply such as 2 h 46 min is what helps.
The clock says 4 h 17 min
